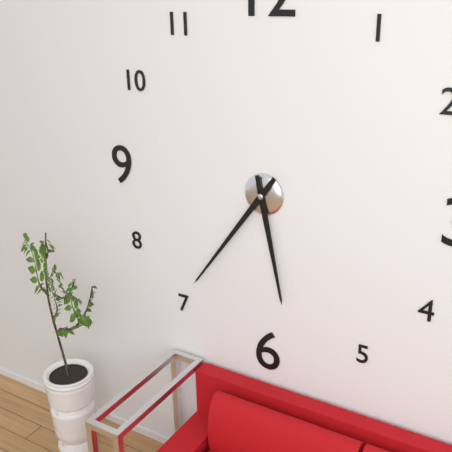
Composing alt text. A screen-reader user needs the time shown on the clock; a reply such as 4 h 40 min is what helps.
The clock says 5 h 36 min
